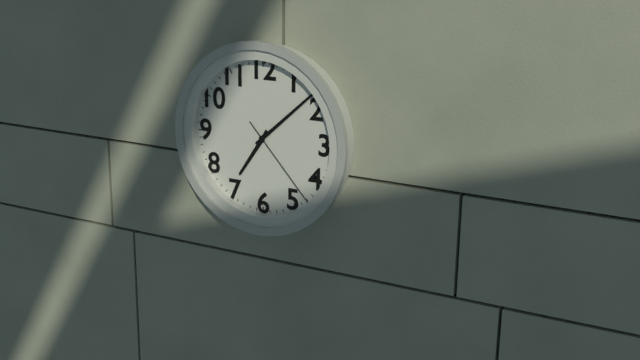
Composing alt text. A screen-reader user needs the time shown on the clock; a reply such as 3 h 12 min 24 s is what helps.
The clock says 7 h 08 min 23 s
